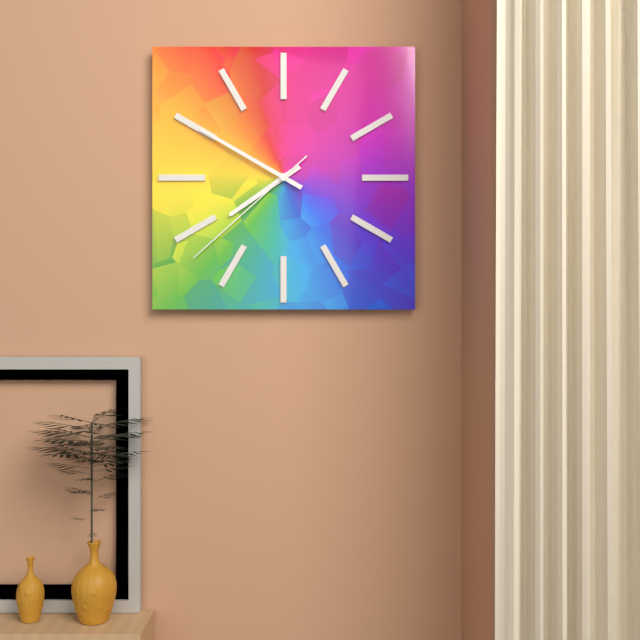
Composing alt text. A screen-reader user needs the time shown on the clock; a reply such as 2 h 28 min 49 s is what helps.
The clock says 7 h 50 min 38 s
